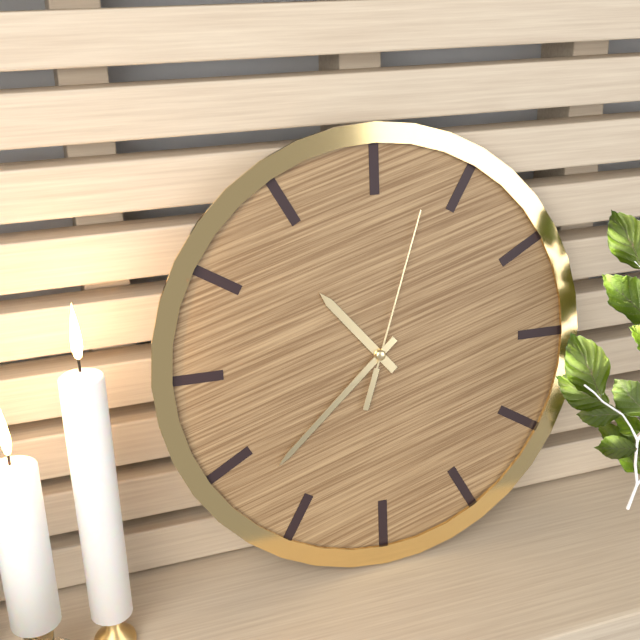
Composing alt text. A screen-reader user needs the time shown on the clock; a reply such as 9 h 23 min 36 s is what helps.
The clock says 10 h 38 min 03 s
